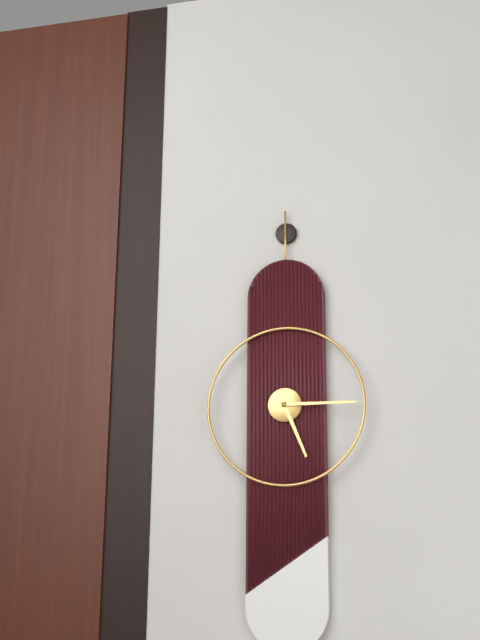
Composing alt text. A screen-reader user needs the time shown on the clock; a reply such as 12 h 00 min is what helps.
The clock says 5 h 15 min
